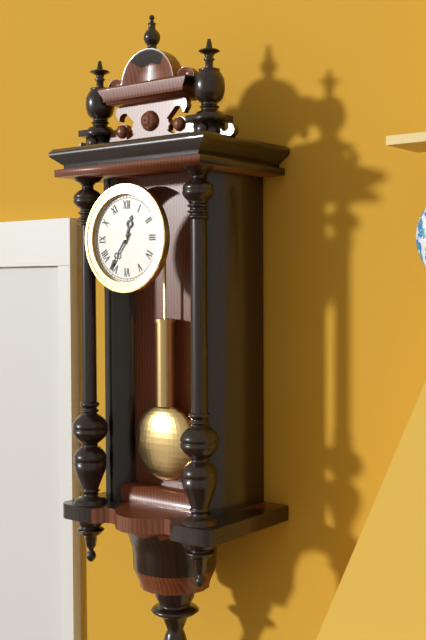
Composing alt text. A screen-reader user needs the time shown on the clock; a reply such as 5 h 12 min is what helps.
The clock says 12 h 36 min
